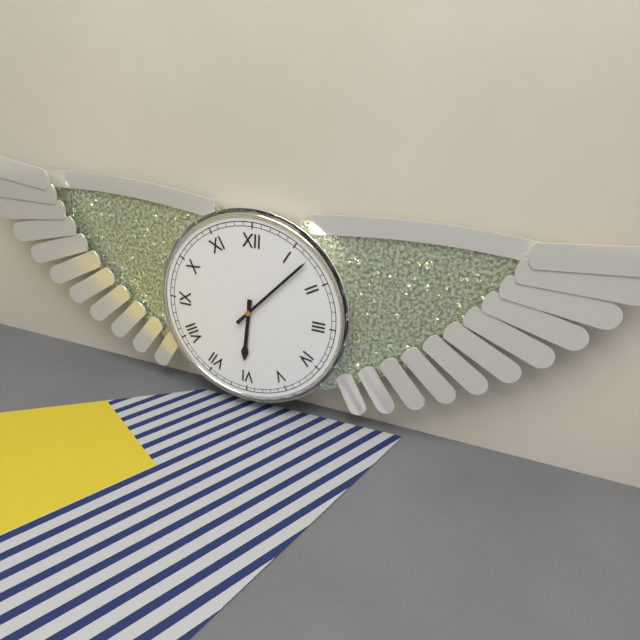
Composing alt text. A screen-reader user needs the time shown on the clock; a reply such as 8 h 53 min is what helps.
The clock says 6 h 07 min
